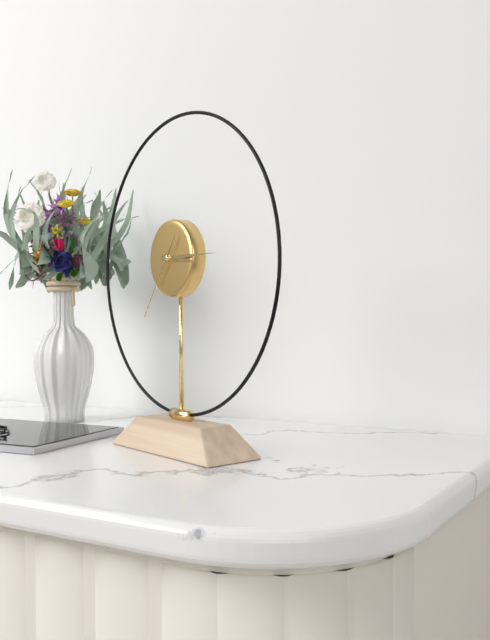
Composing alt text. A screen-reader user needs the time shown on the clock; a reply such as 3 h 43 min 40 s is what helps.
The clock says 3 h 15 min 36 s
